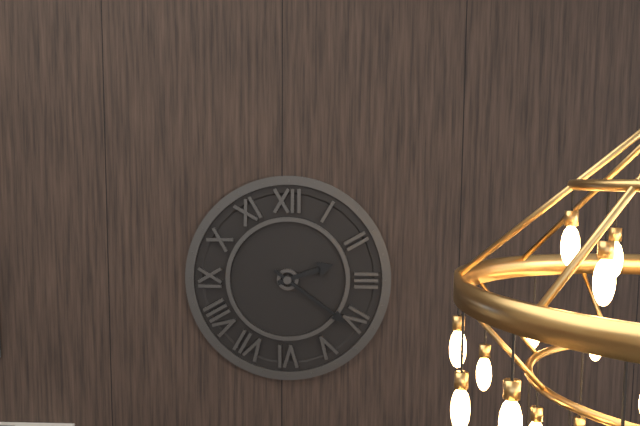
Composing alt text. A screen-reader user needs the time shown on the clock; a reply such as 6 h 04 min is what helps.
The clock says 2 h 21 min
